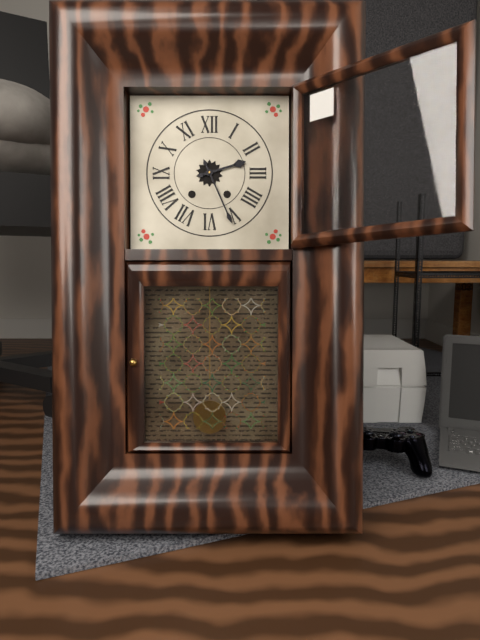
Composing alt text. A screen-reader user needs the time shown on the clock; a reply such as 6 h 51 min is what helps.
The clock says 2 h 26 min
